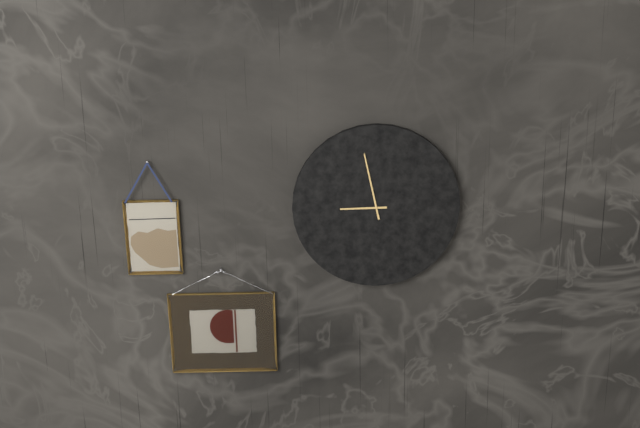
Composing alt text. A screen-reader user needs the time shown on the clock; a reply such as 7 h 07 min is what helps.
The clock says 8 h 58 min
